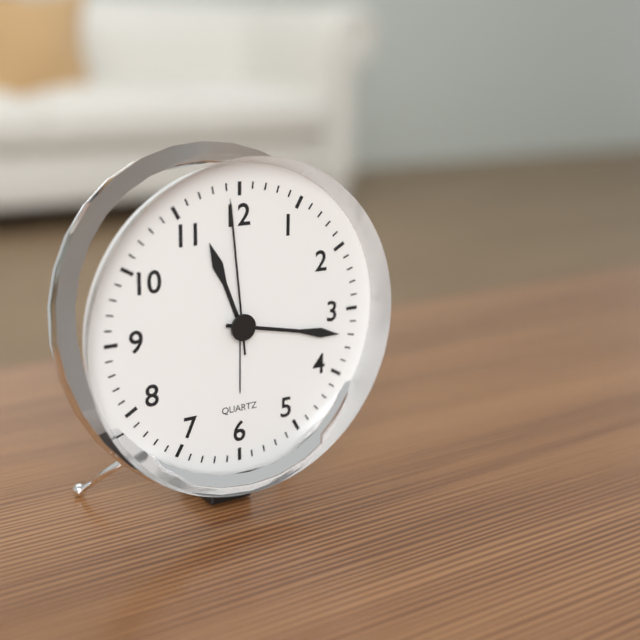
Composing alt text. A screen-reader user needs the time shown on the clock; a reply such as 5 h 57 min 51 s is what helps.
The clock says 11 h 17 min 59 s
